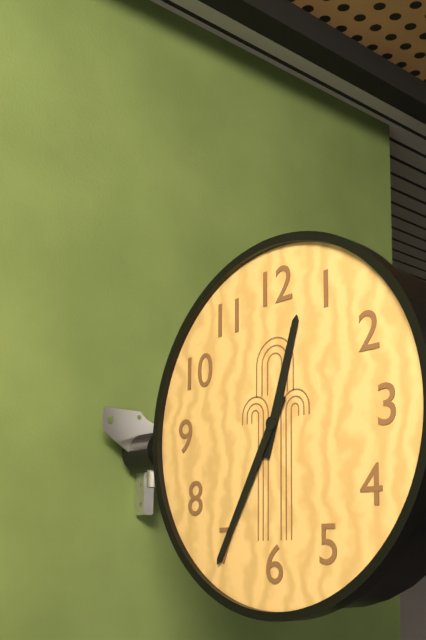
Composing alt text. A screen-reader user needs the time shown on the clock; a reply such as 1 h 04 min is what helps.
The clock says 12 h 35 min
